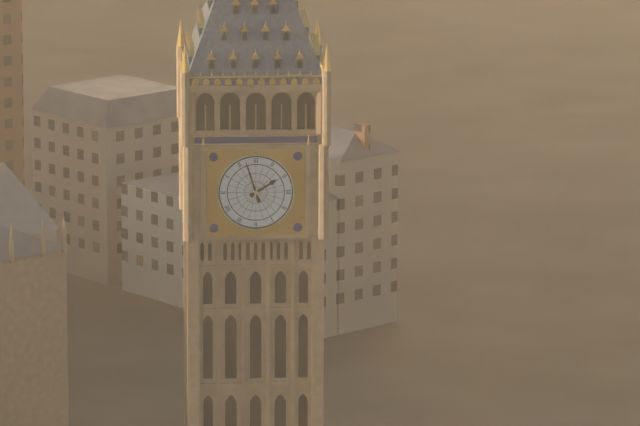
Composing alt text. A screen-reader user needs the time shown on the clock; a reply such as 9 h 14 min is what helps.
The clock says 1 h 57 min
